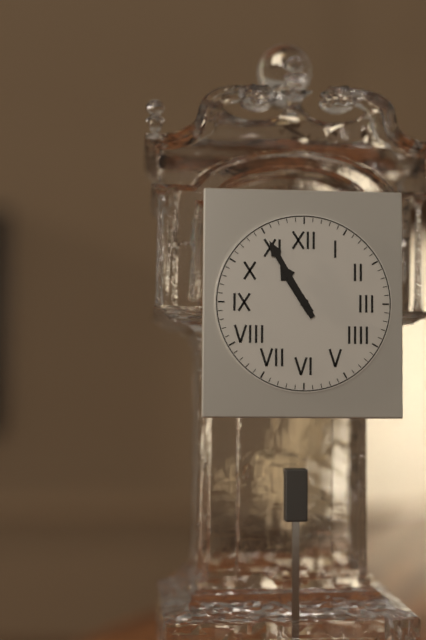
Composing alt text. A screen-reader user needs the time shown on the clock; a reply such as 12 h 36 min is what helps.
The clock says 10 h 55 min
